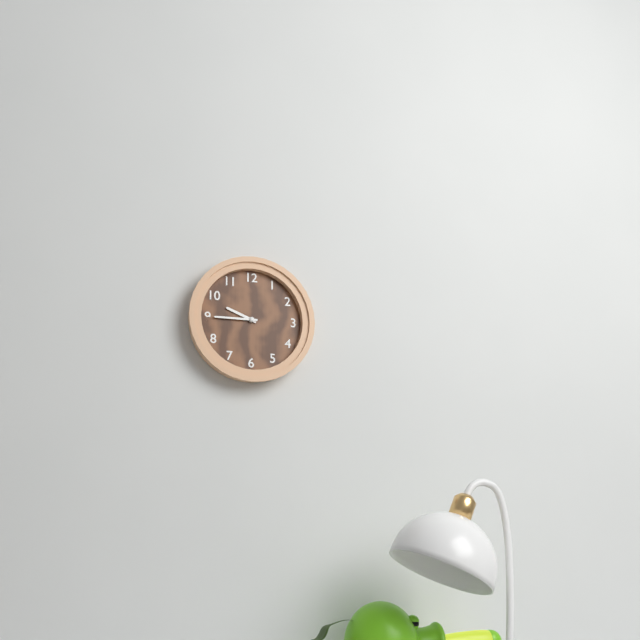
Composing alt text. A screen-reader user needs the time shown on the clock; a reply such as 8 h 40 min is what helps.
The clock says 9 h 45 min
